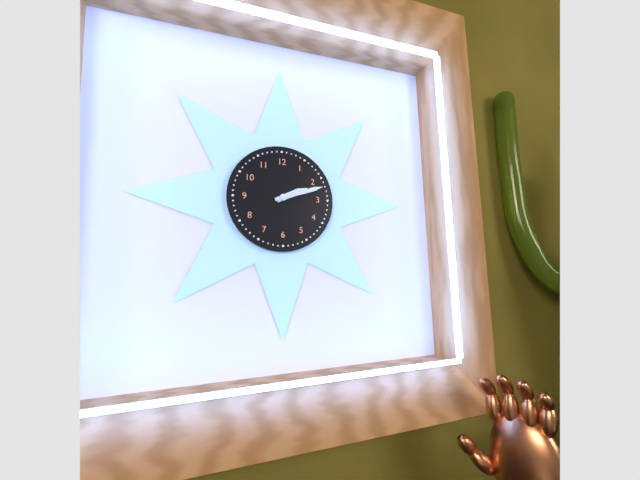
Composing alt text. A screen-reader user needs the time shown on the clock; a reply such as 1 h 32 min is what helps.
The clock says 2 h 12 min
